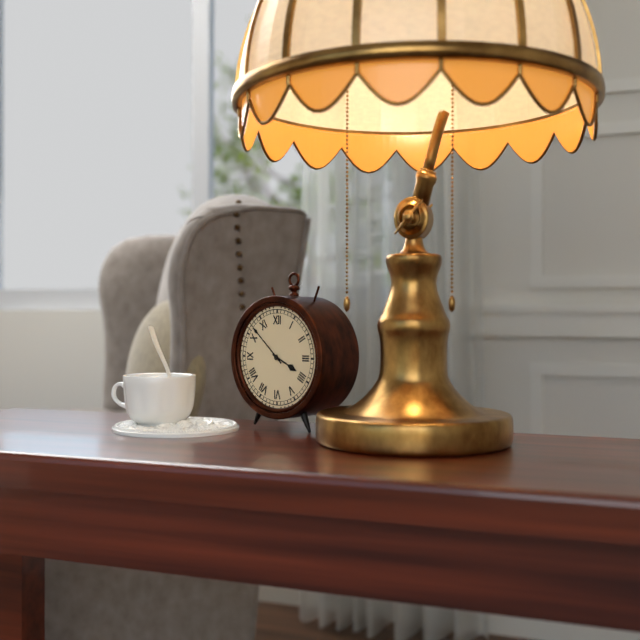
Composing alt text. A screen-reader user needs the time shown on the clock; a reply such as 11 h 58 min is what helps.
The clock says 3 h 52 min
